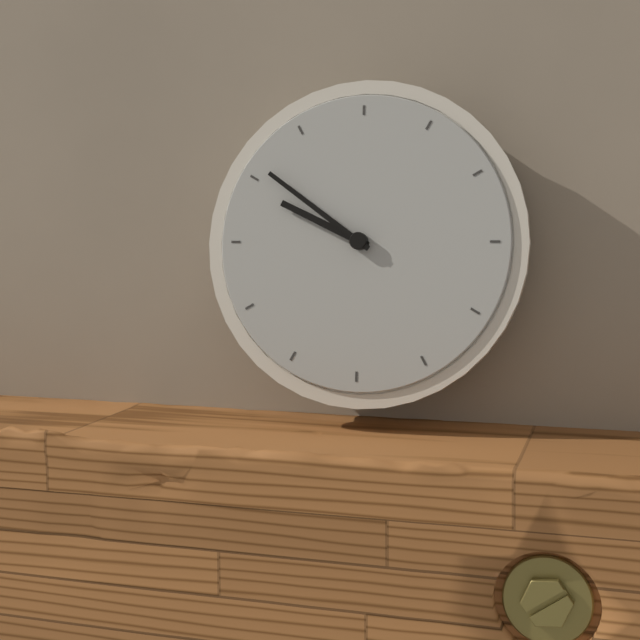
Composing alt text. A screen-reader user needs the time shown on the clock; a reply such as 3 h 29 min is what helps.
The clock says 9 h 51 min
